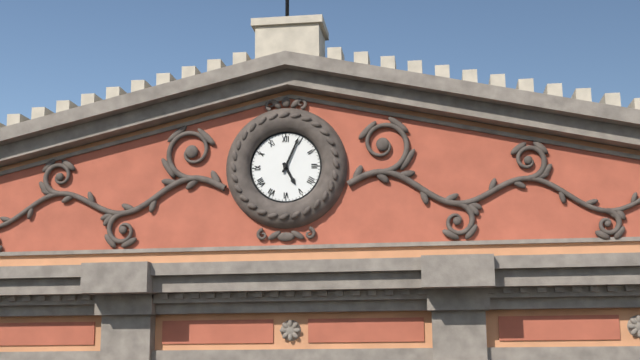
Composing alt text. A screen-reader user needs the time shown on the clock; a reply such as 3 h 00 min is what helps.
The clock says 5 h 04 min
